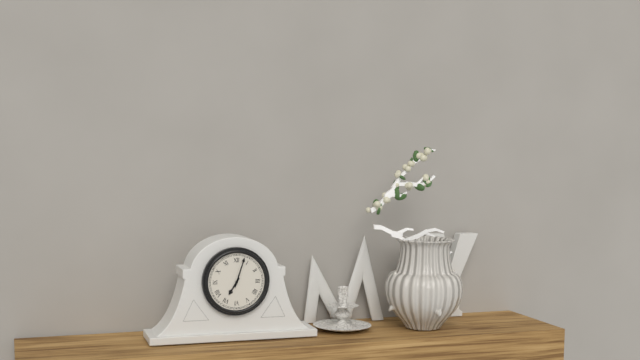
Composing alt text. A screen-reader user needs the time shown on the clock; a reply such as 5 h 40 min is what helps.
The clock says 7 h 03 min
